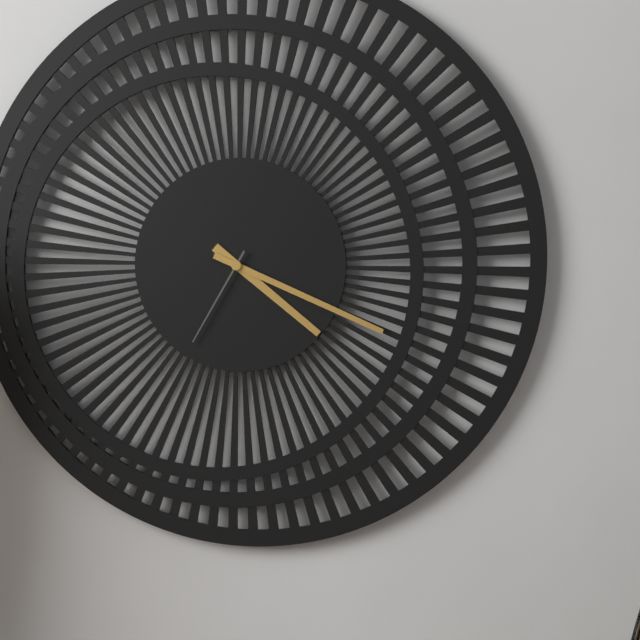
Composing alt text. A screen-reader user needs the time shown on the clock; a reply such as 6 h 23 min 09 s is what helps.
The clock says 4 h 19 min 35 s
